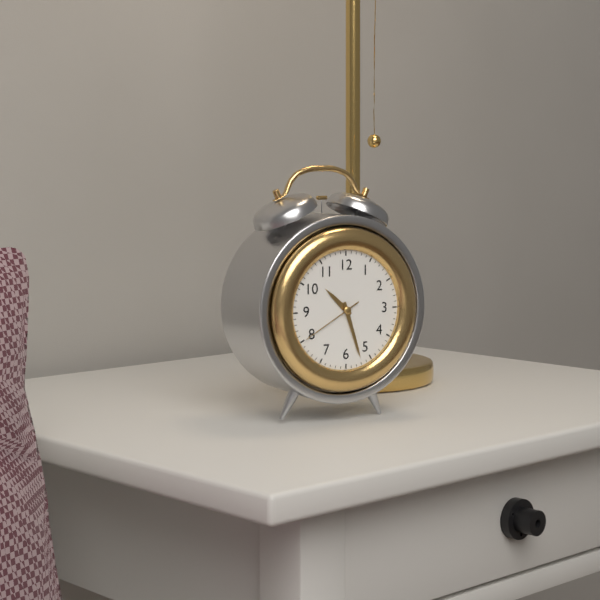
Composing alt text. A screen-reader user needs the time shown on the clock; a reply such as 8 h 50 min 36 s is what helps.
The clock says 10 h 27 min 40 s
